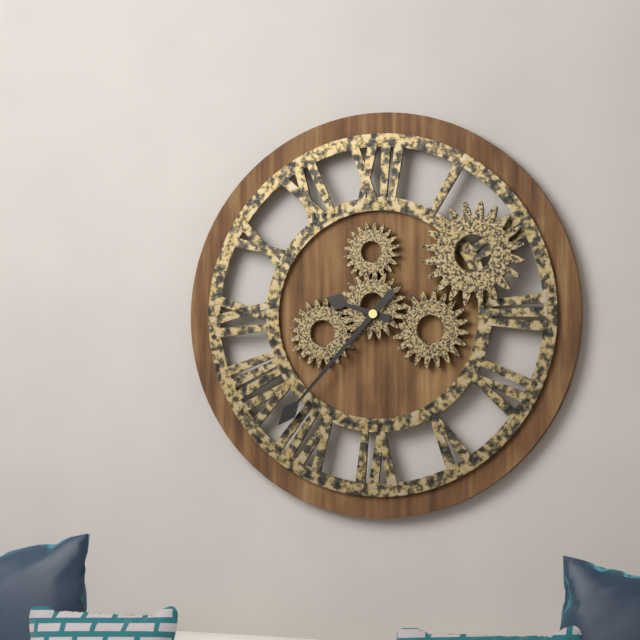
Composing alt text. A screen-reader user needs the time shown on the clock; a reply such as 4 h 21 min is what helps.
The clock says 9 h 37 min
